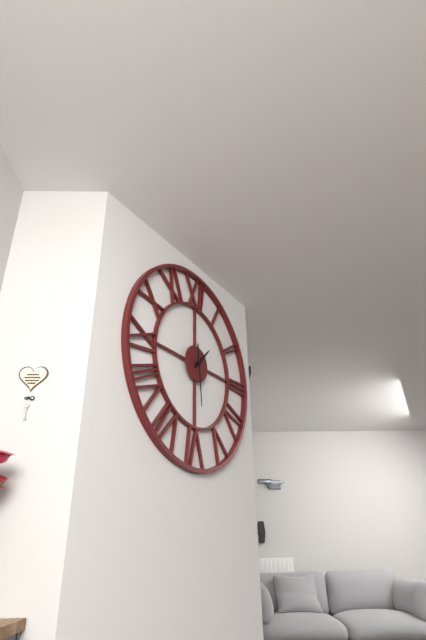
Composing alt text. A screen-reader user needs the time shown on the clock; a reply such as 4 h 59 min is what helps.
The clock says 1 h 29 min
